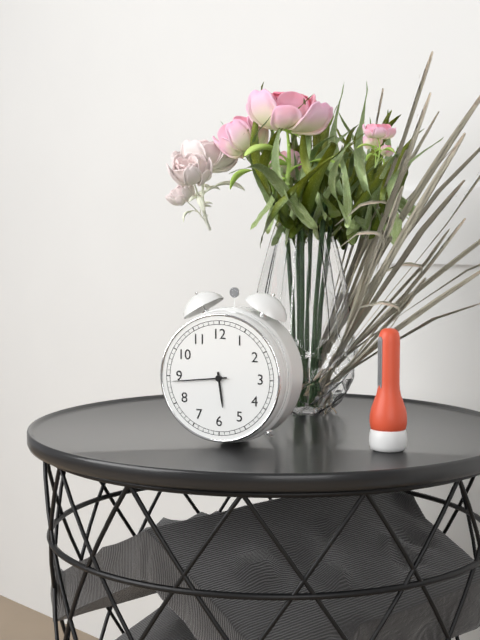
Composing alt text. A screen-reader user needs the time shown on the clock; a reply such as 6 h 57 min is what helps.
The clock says 5 h 44 min
